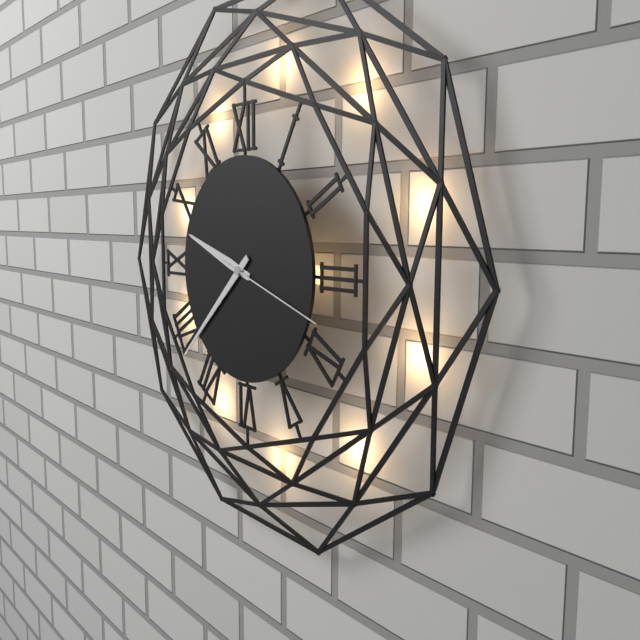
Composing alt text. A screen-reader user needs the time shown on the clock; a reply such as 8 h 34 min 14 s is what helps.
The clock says 9 h 38 min 18 s
